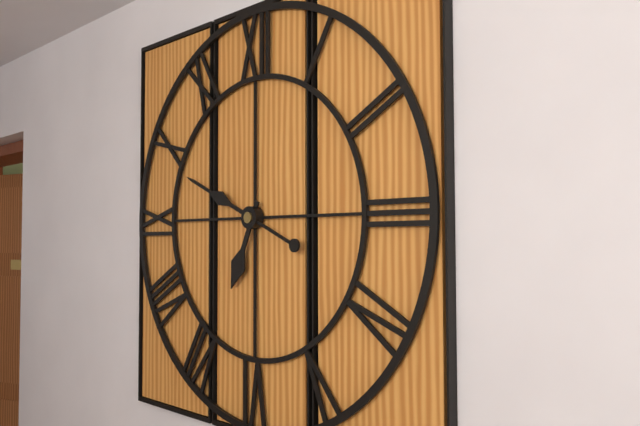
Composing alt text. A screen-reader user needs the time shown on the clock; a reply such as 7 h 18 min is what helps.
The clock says 6 h 49 min
